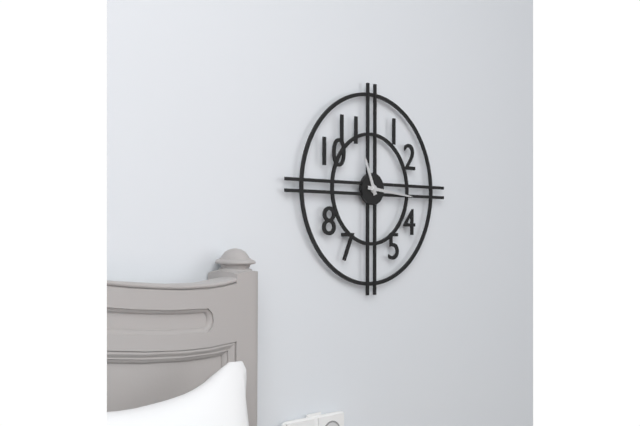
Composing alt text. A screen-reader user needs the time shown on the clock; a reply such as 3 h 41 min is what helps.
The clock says 11 h 16 min
